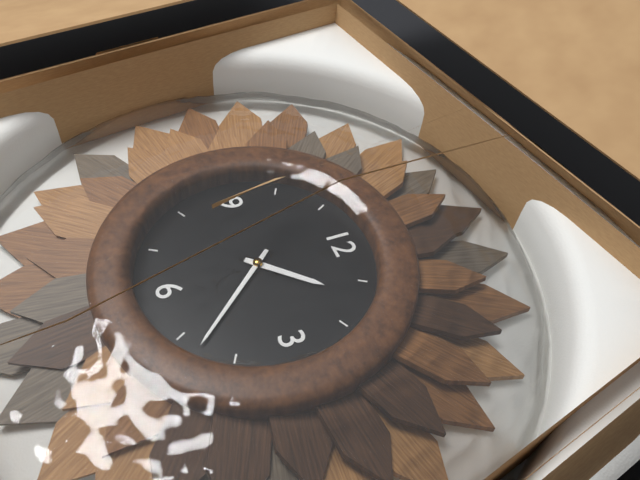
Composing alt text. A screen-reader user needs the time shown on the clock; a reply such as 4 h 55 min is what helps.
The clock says 1 h 23 min
